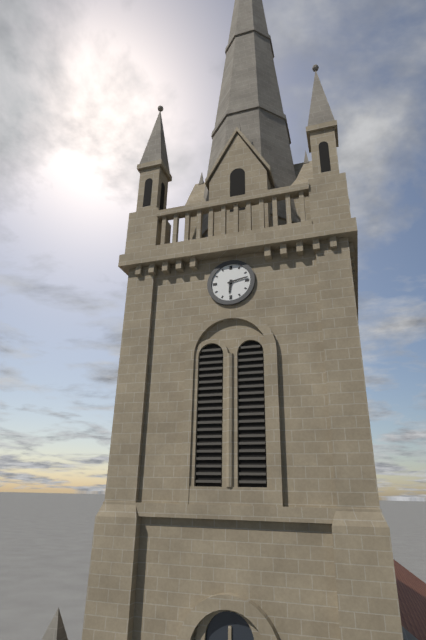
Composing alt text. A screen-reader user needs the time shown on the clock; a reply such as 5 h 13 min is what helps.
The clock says 6 h 13 min
